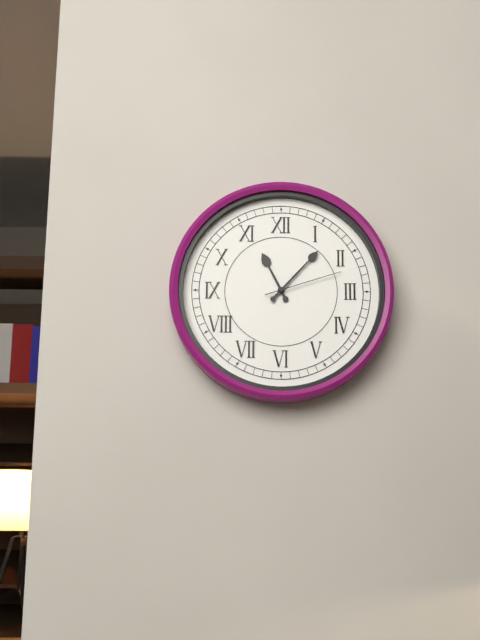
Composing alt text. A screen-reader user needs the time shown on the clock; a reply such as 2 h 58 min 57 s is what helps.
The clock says 11 h 07 min 12 s
